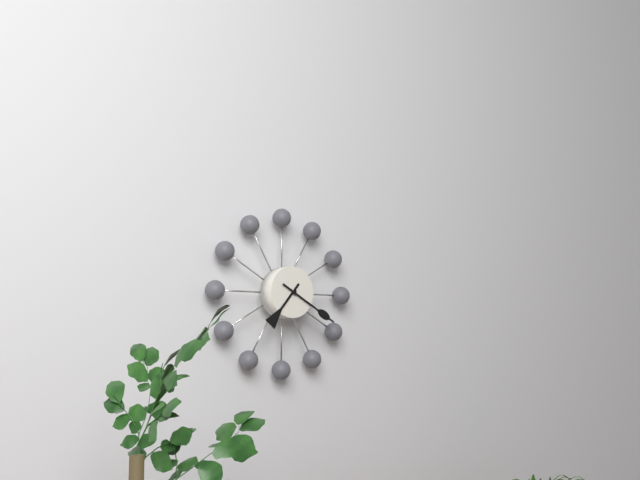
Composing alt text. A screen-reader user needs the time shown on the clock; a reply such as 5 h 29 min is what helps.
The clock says 7 h 20 min
